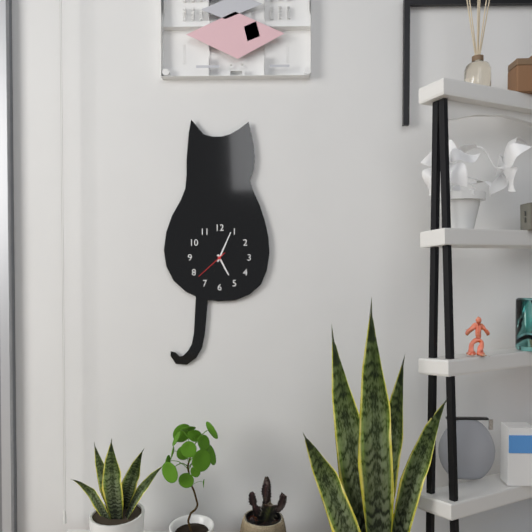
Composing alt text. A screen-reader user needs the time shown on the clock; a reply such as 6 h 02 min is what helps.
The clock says 5 h 04 min
